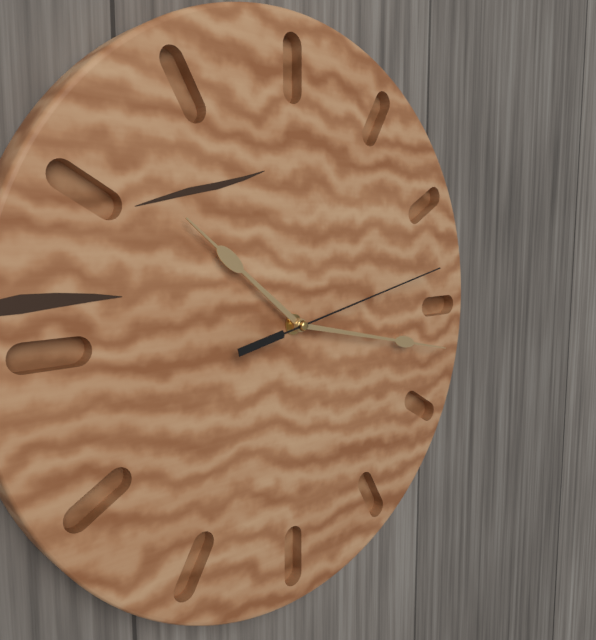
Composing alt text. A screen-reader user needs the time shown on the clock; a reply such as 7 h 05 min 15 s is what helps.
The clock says 10 h 17 min 13 s
